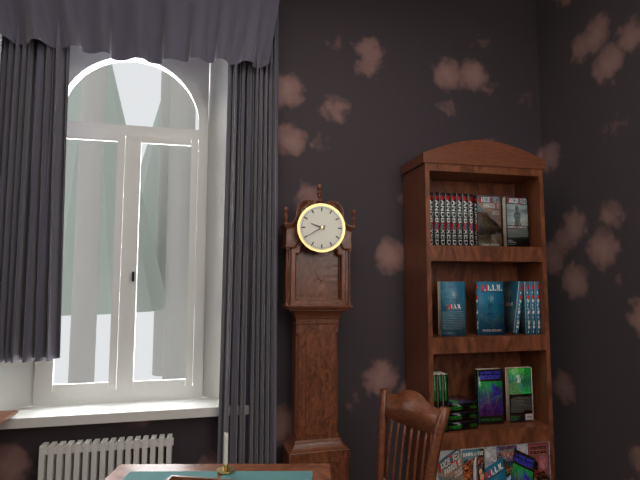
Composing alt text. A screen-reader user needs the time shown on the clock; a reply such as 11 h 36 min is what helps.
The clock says 9 h 40 min
